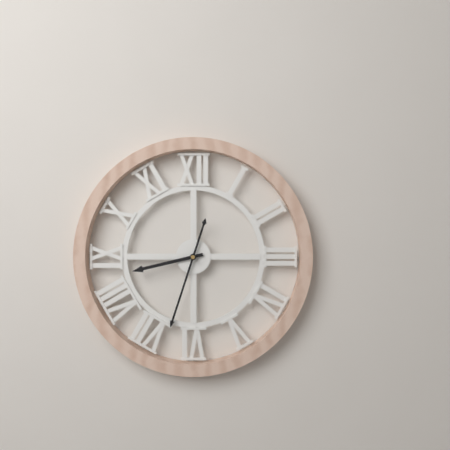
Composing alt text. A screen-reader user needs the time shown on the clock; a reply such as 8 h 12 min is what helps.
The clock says 8 h 33 min
